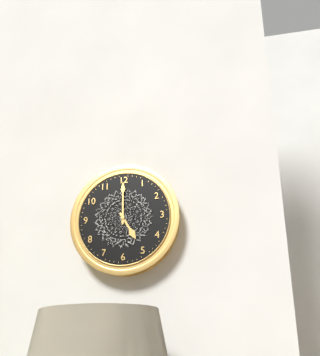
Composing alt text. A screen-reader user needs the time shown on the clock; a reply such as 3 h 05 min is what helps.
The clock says 5 h 00 min
